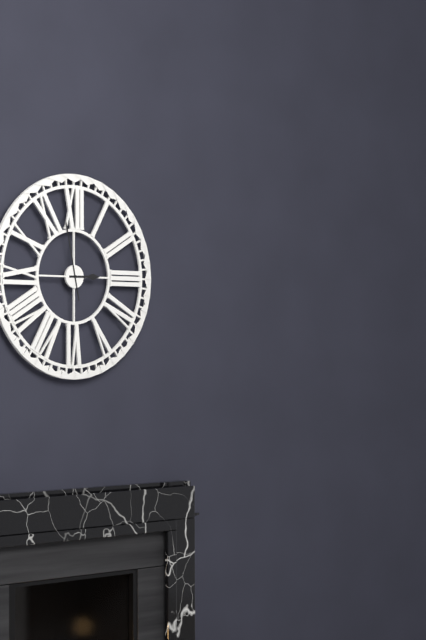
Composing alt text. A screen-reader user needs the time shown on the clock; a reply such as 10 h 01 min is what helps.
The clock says 2 h 58 min
